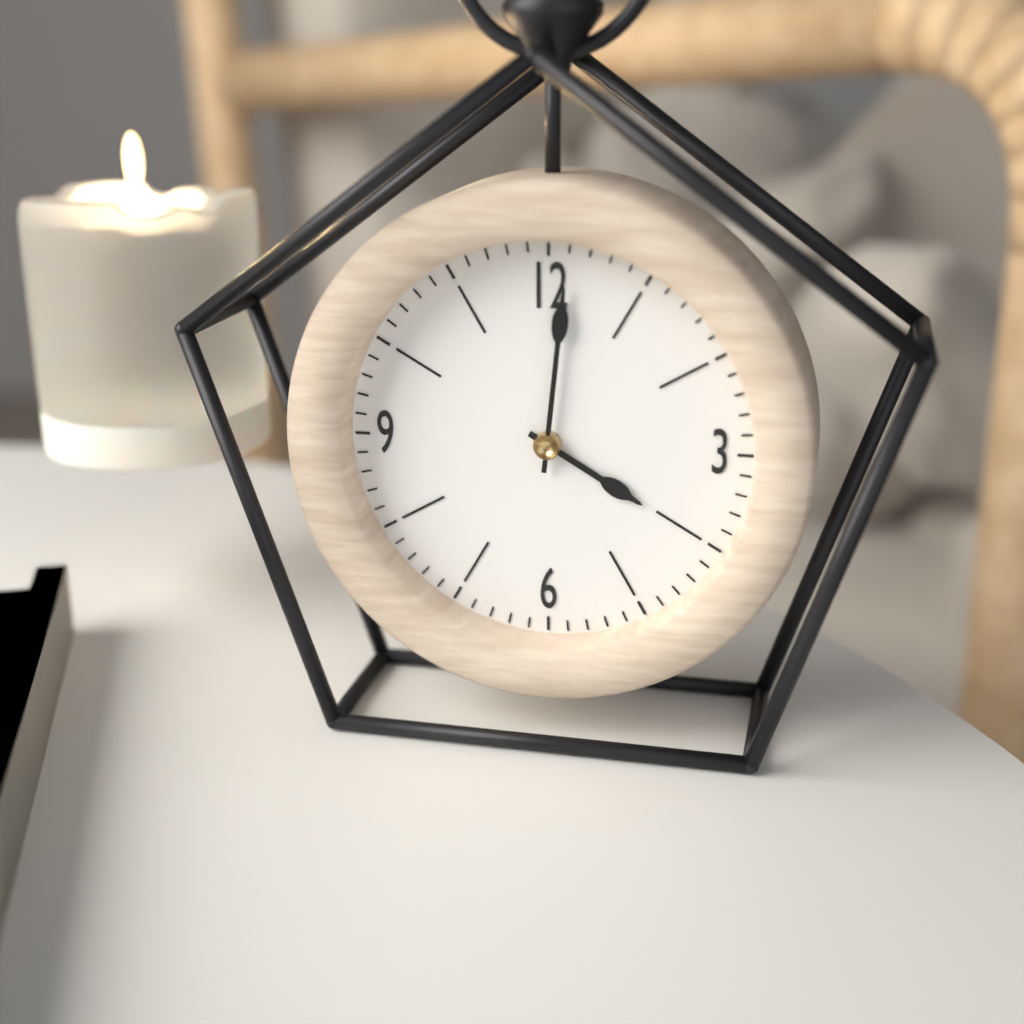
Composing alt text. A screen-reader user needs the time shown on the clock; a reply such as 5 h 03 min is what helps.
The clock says 4 h 01 min
